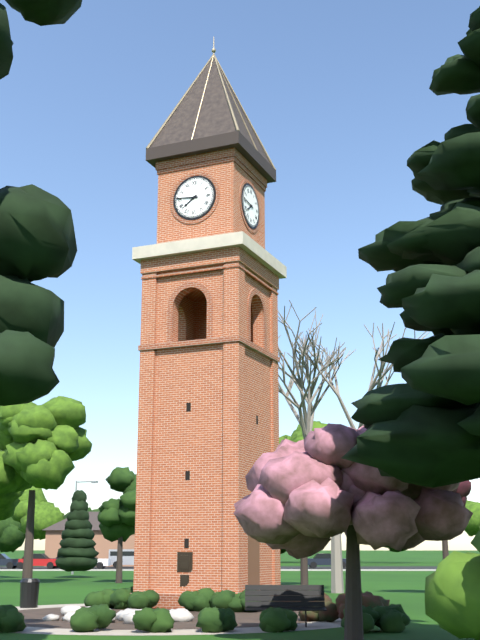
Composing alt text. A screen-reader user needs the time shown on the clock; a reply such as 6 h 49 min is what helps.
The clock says 7 h 46 min
